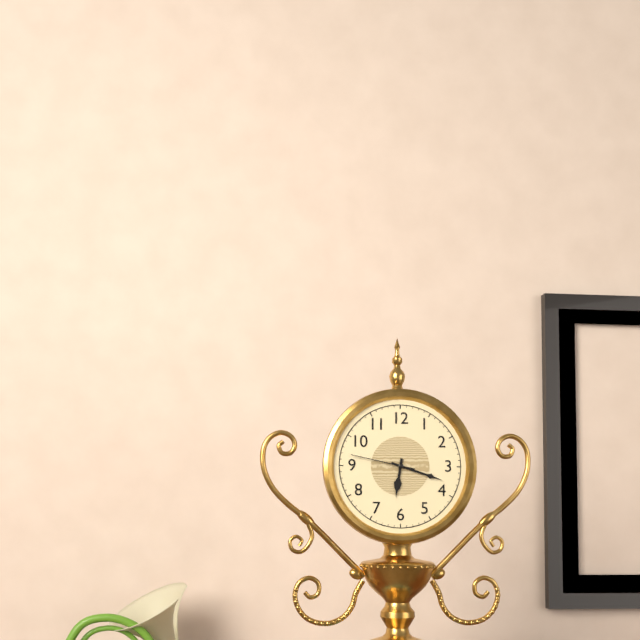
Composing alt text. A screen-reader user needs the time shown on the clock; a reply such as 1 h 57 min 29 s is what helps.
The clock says 6 h 18 min 47 s
